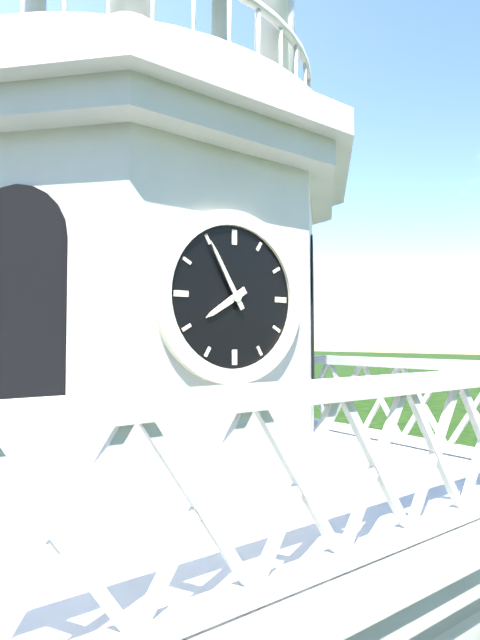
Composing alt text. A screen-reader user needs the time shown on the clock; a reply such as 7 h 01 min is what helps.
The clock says 7 h 55 min
